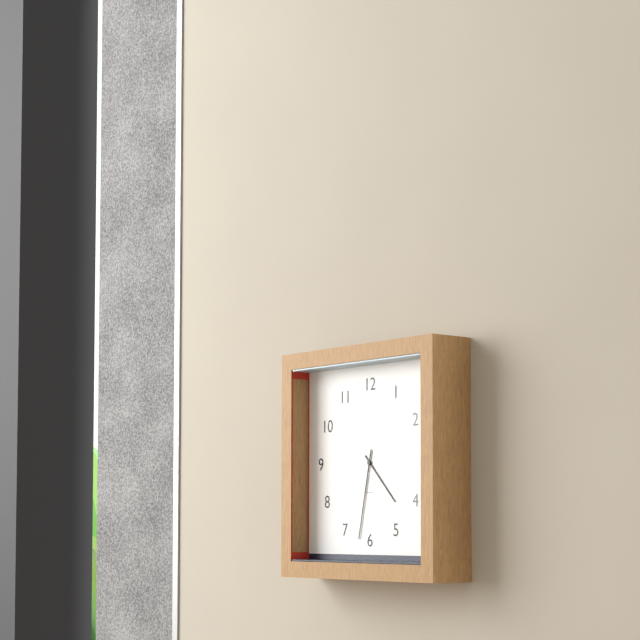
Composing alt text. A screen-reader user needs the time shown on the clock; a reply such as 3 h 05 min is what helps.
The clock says 4 h 32 min
